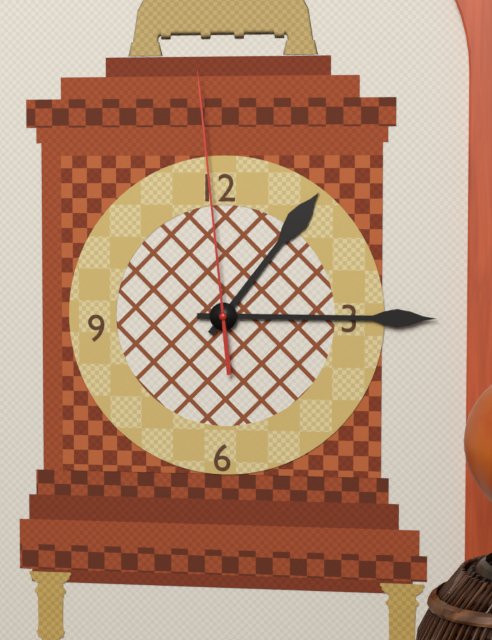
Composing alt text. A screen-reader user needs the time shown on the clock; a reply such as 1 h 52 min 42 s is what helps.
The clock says 1 h 15 min 59 s
